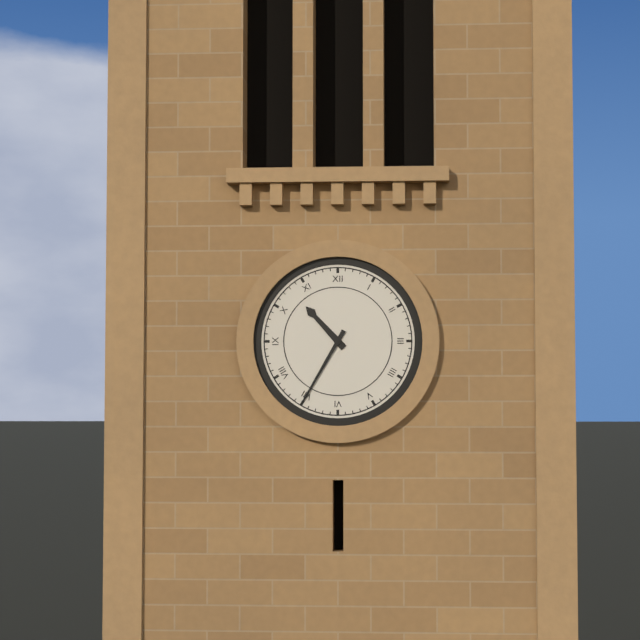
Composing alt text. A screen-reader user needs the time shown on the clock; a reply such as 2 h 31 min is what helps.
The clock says 10 h 35 min
